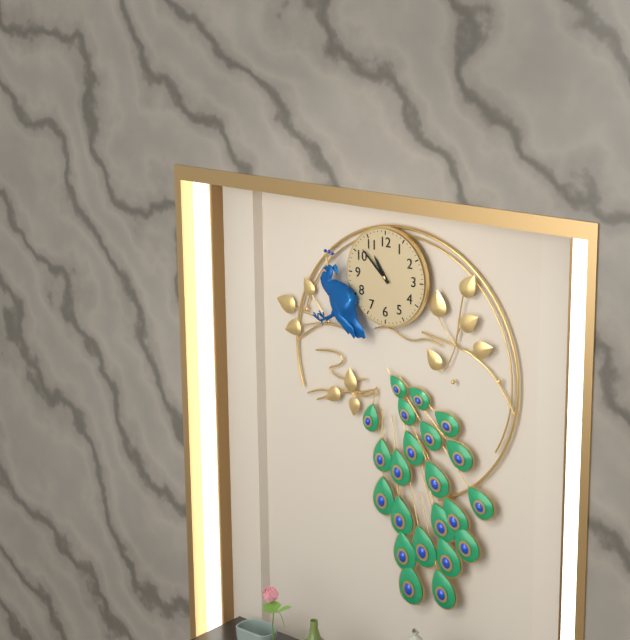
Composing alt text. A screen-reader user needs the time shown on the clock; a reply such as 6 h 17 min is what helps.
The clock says 10 h 52 min
